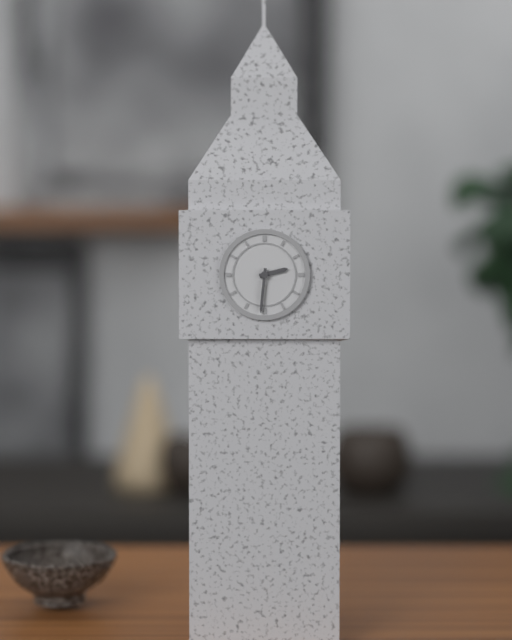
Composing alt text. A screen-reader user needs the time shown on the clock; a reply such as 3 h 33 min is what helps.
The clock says 2 h 31 min
